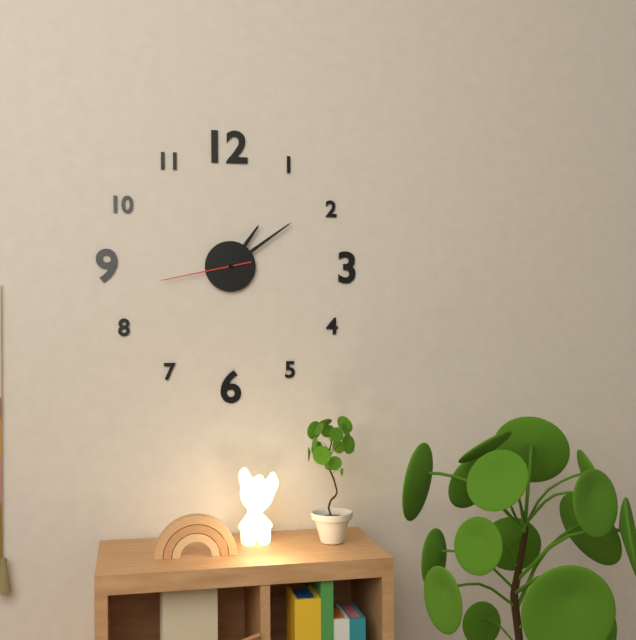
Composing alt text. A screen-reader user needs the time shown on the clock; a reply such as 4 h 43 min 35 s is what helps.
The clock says 1 h 09 min 43 s
